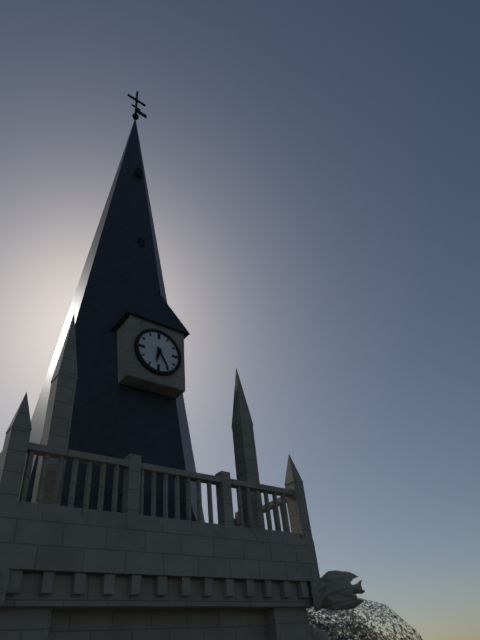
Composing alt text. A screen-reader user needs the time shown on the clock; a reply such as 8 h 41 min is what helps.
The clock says 6 h 25 min
